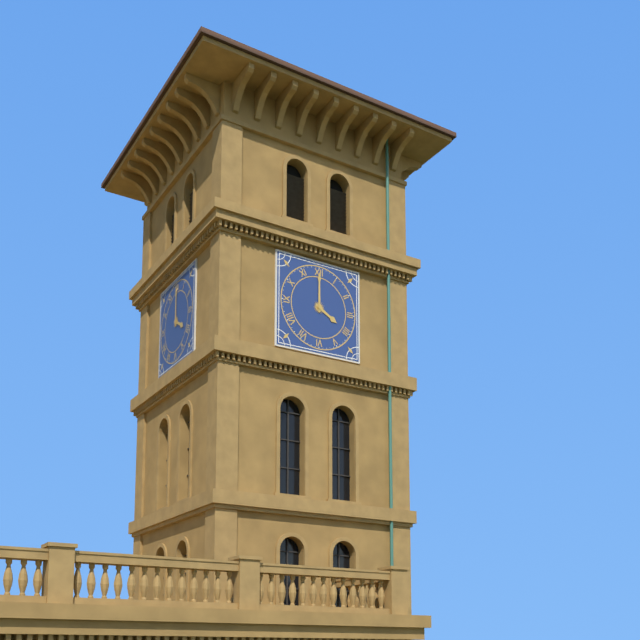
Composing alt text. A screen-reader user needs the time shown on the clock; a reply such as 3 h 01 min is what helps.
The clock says 4 h 00 min
